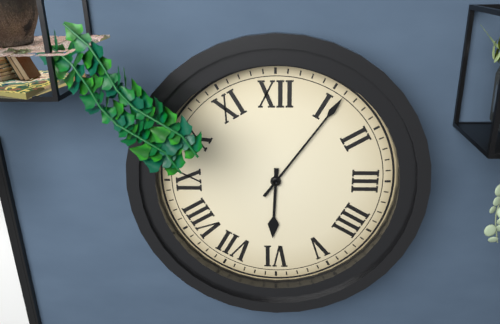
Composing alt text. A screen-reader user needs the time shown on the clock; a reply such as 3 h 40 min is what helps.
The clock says 6 h 06 min
